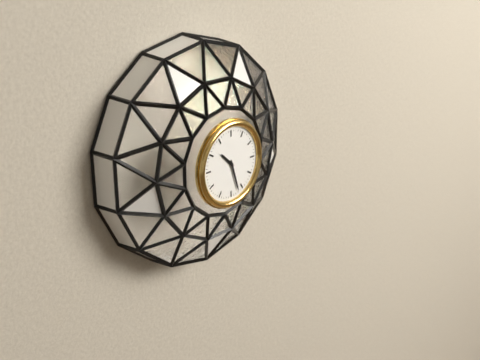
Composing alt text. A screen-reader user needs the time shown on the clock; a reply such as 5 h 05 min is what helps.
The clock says 10 h 27 min
